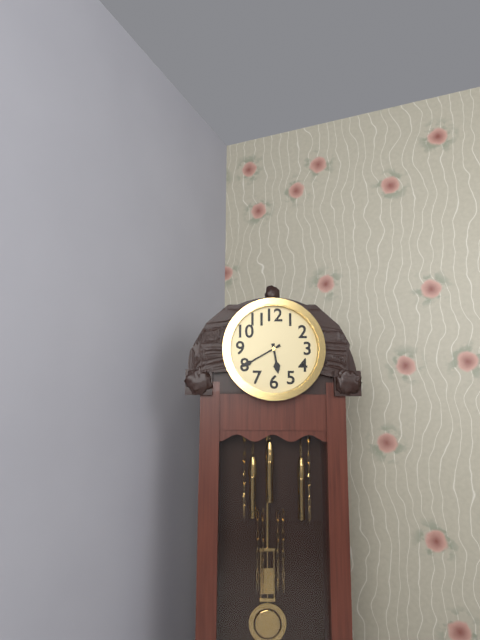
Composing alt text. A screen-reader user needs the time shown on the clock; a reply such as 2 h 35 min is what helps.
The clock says 5 h 40 min
